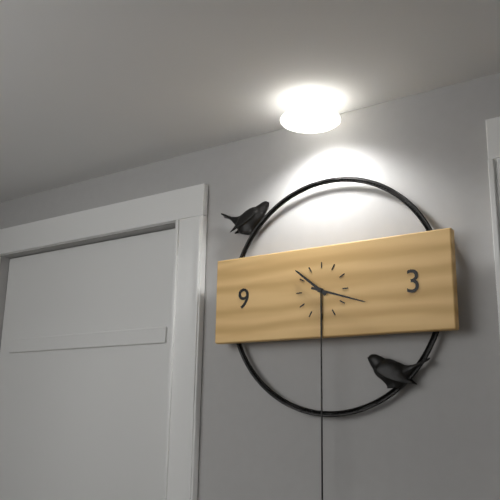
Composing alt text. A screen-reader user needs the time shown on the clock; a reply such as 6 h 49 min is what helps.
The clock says 10 h 18 min
